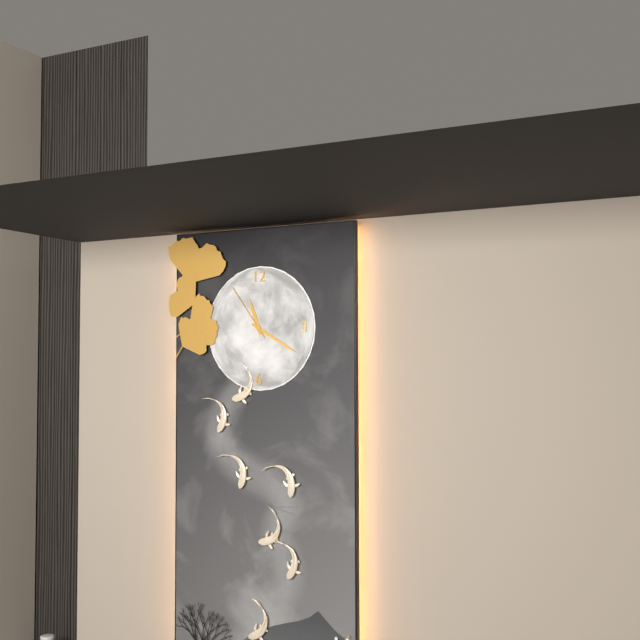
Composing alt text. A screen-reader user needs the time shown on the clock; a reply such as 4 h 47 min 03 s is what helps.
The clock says 11 h 20 min 54 s
